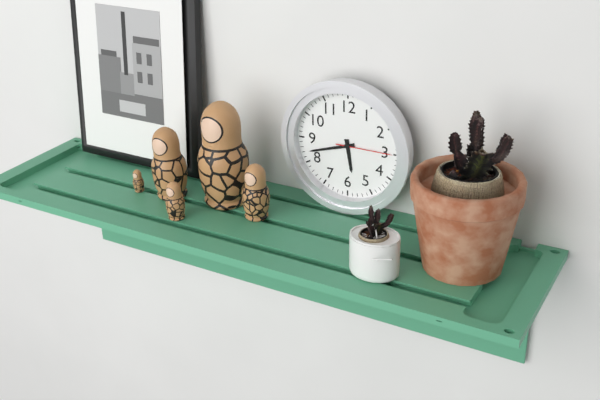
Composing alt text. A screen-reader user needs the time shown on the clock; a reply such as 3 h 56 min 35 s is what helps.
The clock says 5 h 42 min 15 s
